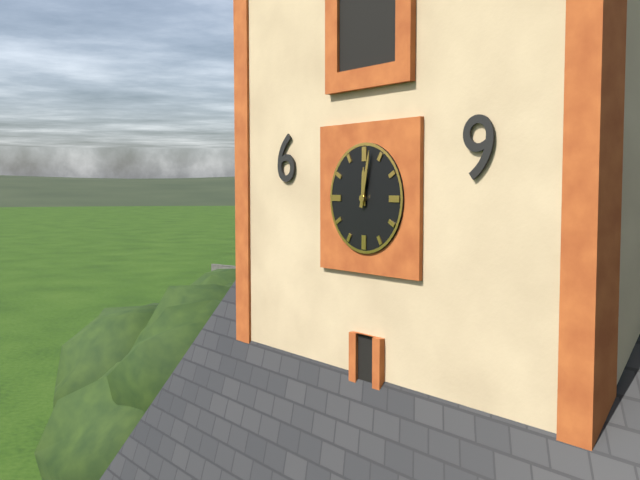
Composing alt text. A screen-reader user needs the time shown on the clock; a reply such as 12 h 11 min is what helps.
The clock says 12 h 02 min
